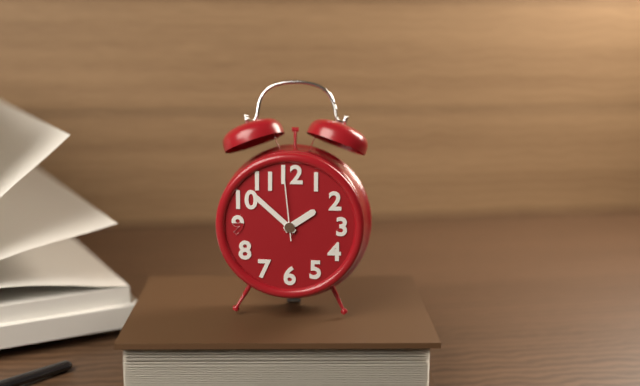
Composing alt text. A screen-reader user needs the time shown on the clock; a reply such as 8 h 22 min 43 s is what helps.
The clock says 1 h 52 min 59 s
